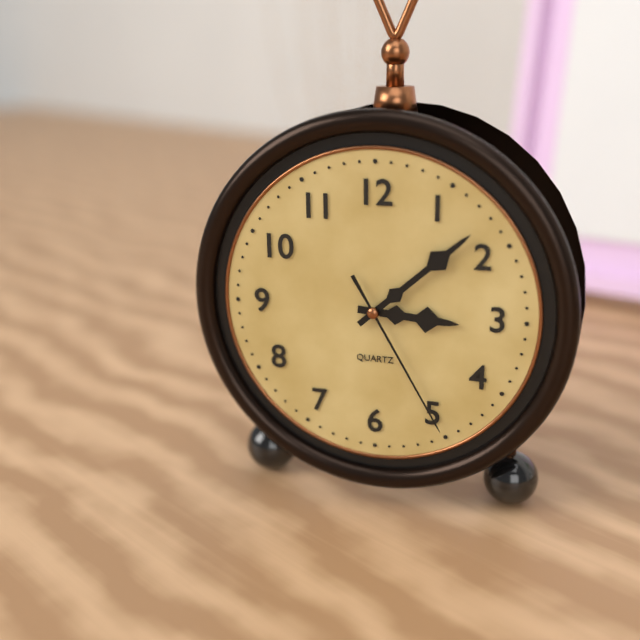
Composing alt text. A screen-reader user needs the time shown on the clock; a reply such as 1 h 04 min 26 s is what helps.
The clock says 3 h 08 min 25 s
